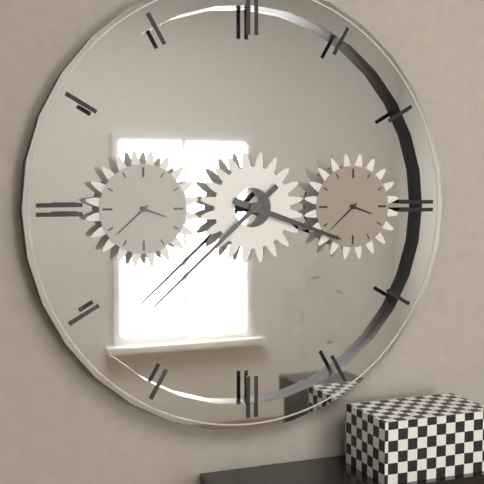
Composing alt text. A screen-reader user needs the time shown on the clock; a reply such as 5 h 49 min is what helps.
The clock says 3 h 38 min
